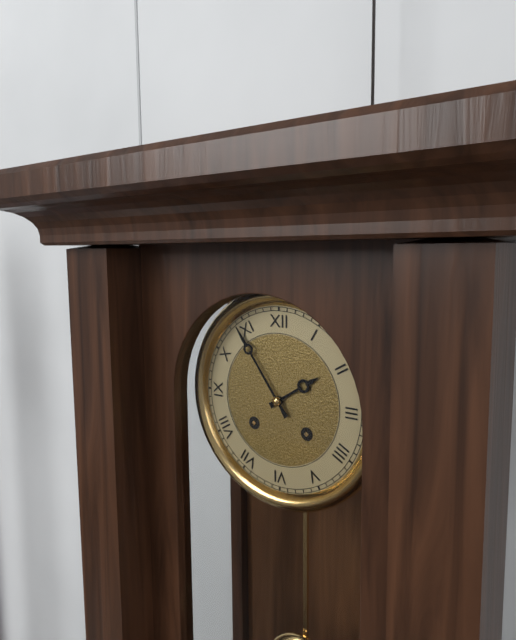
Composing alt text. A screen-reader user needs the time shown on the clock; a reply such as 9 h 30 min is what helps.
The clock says 1 h 54 min
